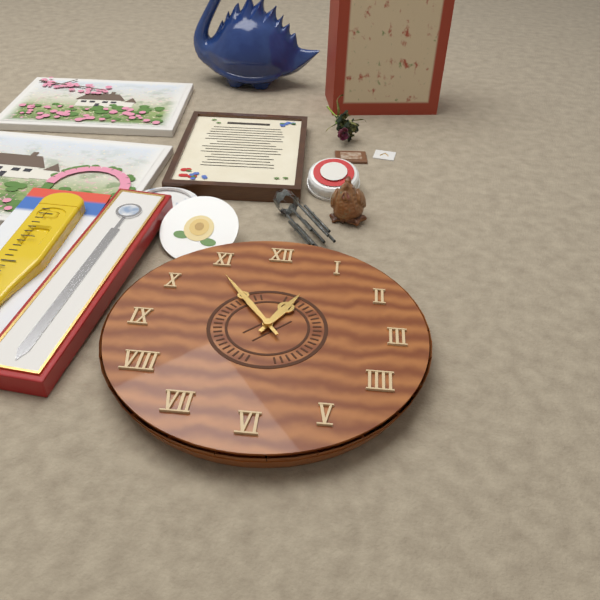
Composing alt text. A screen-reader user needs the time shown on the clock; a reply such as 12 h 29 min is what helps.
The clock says 12 h 54 min
